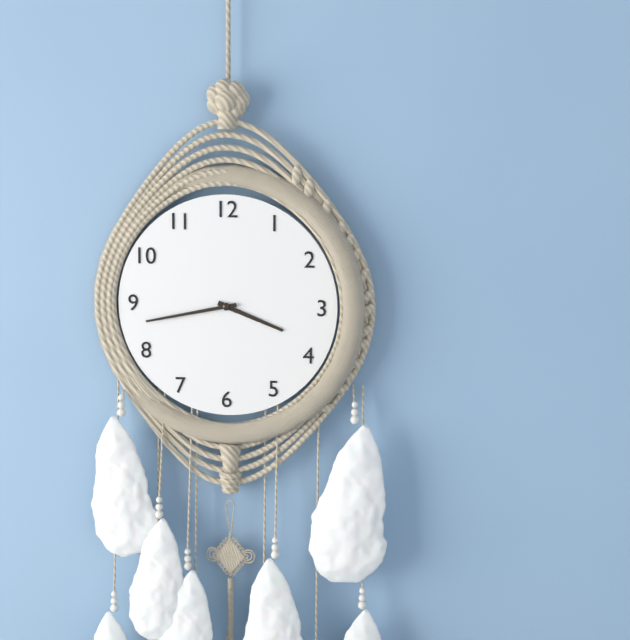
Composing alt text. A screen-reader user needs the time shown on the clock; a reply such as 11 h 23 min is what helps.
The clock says 3 h 43 min
